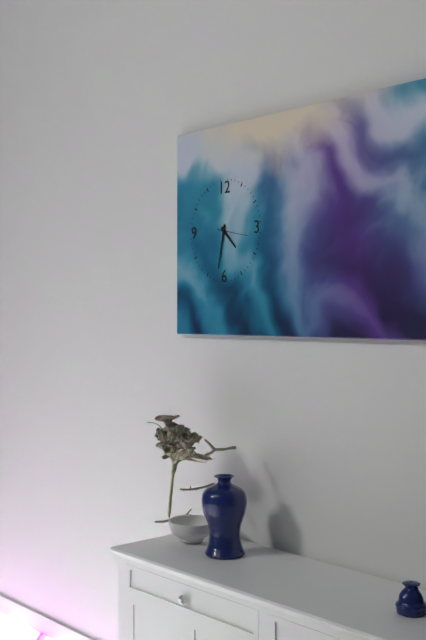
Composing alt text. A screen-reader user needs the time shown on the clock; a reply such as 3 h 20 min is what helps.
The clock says 4 h 32 min
